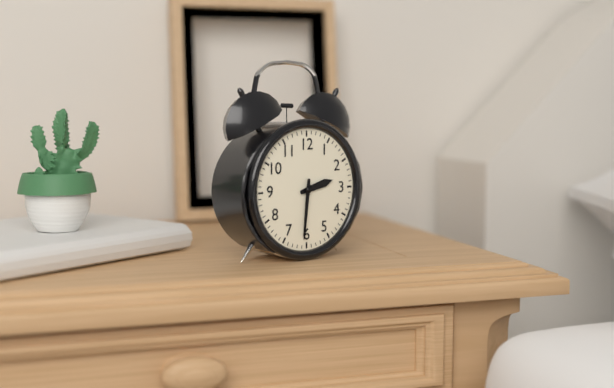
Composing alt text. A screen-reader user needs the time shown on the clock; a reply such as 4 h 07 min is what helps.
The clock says 2 h 31 min
